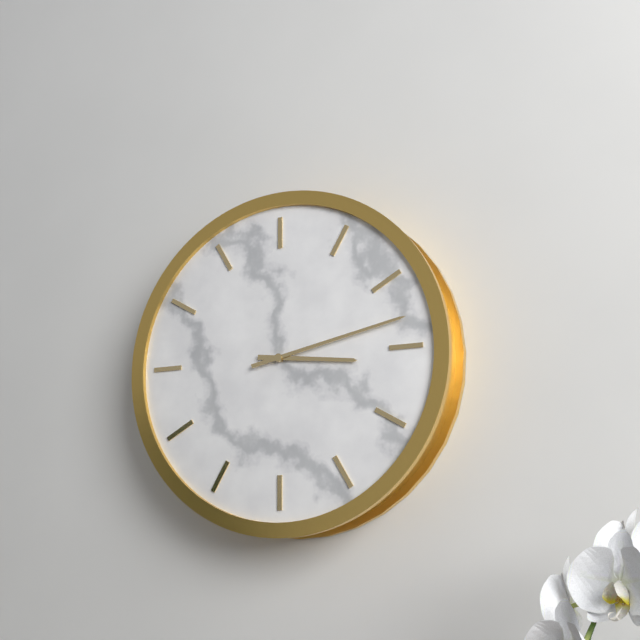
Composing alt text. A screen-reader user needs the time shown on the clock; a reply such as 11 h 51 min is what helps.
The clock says 3 h 13 min
